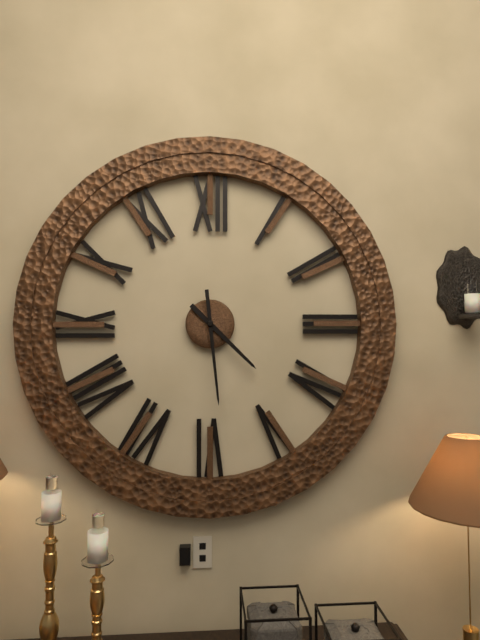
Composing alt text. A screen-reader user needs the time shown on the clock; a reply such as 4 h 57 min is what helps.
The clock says 4 h 29 min
